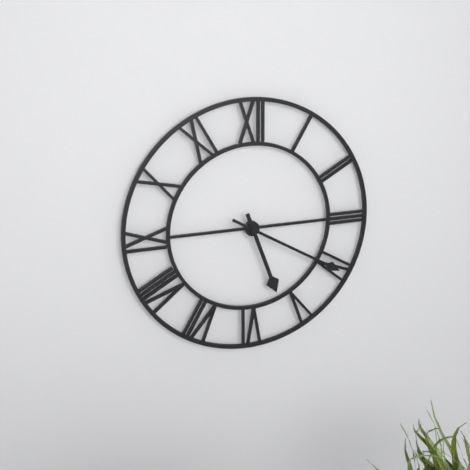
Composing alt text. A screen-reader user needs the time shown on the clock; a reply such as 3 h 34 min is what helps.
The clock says 5 h 20 min
